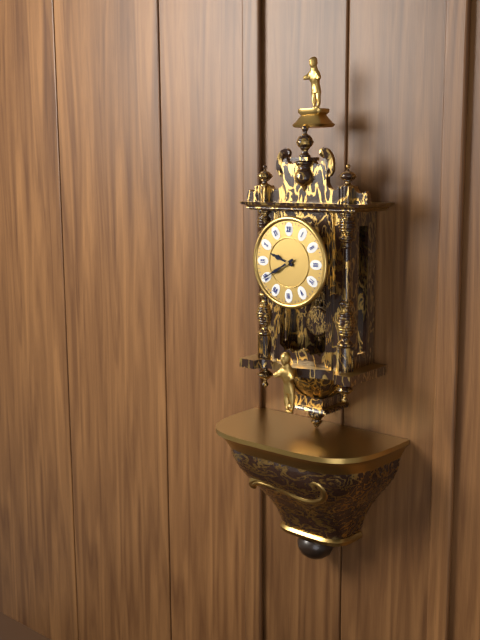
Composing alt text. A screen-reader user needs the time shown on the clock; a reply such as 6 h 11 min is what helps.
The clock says 9 h 40 min
